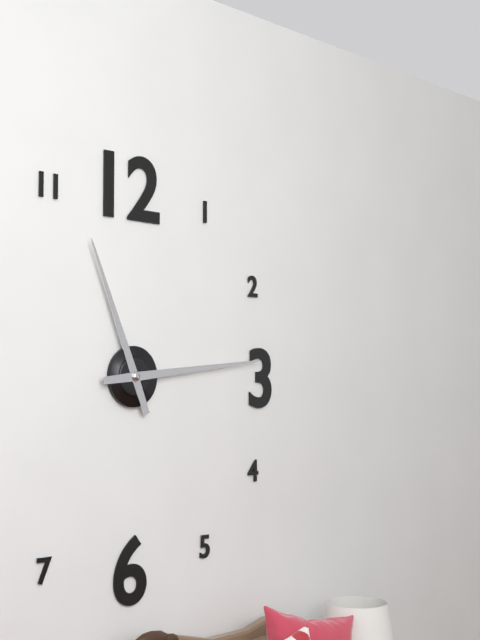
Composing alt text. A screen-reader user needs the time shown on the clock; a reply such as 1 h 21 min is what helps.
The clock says 11 h 14 min
